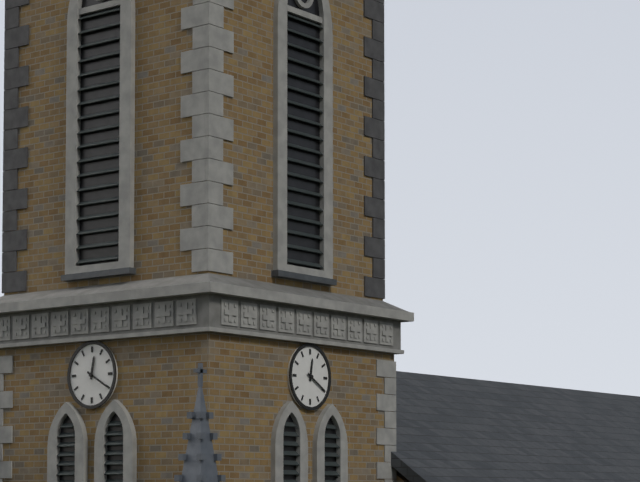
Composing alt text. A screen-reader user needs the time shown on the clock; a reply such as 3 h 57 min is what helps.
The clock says 12 h 20 min
